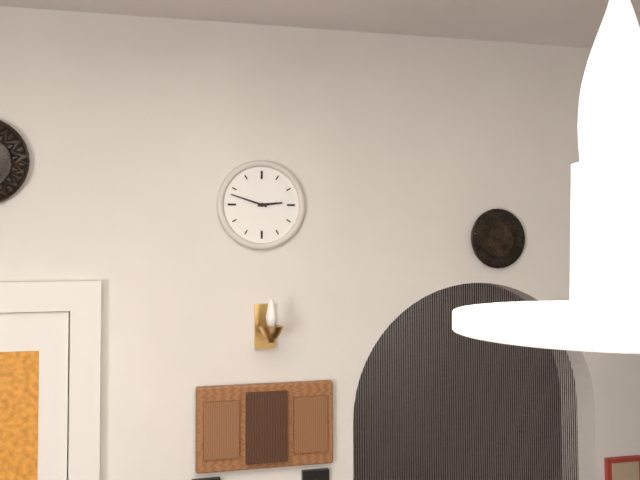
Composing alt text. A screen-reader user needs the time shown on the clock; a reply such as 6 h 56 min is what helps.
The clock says 2 h 48 min
